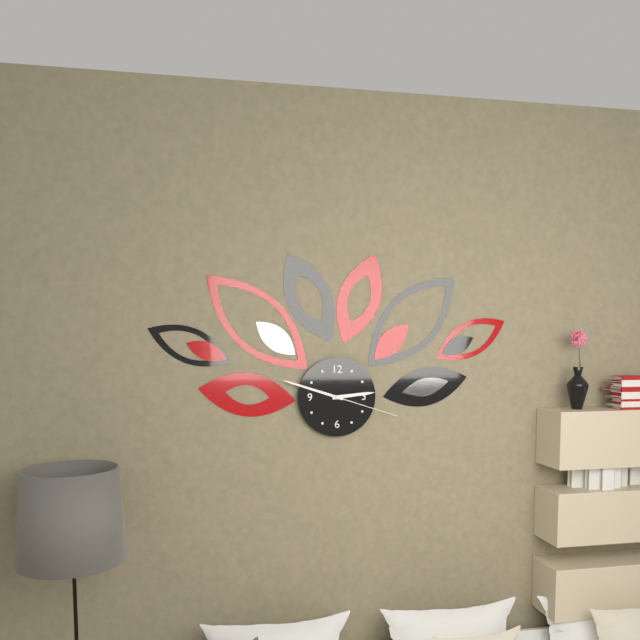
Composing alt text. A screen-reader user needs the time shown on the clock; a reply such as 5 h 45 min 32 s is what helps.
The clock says 2 h 48 min 18 s
